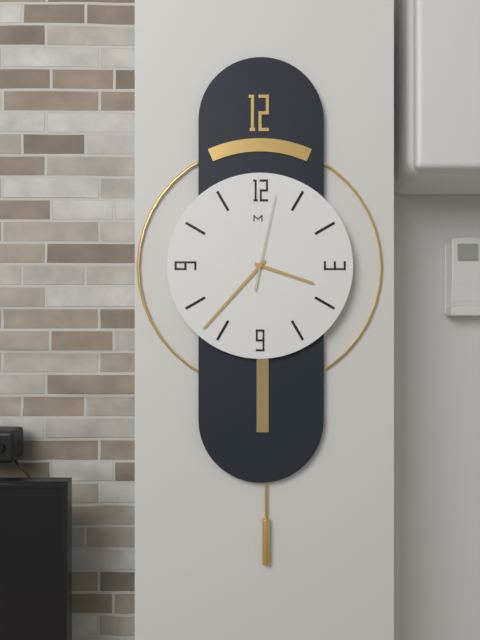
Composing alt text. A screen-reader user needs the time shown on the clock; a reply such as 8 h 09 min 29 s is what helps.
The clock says 3 h 37 min 02 s
